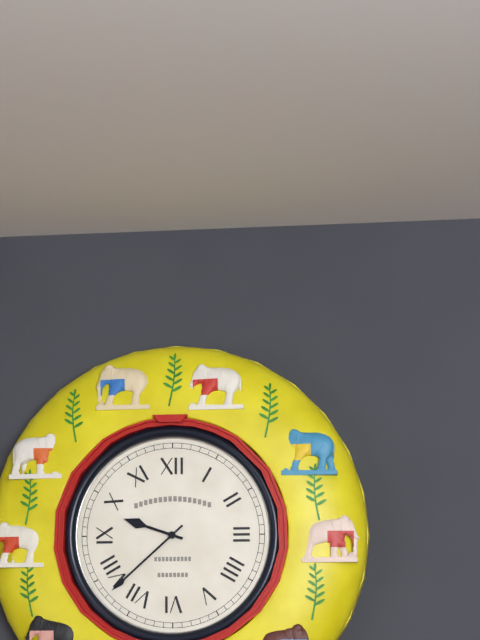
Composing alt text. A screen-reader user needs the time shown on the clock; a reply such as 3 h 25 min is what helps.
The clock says 9 h 38 min
